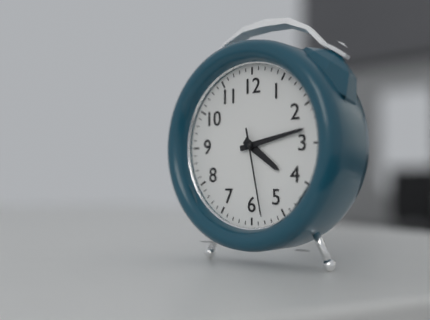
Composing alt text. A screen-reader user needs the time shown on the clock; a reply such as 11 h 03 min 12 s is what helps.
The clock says 4 h 13 min 28 s
